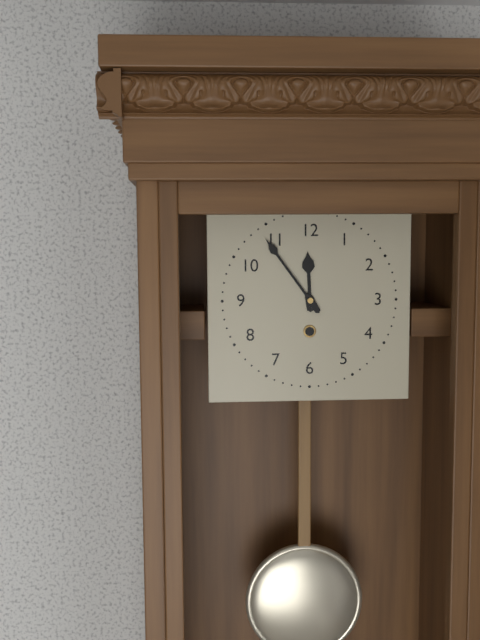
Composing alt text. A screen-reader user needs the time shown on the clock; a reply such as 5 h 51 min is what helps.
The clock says 11 h 54 min
